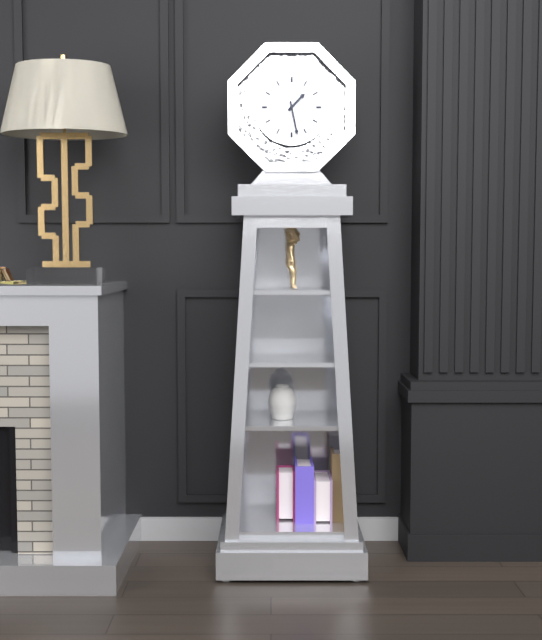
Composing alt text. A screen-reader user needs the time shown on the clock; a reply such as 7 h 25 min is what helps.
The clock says 1 h 28 min
